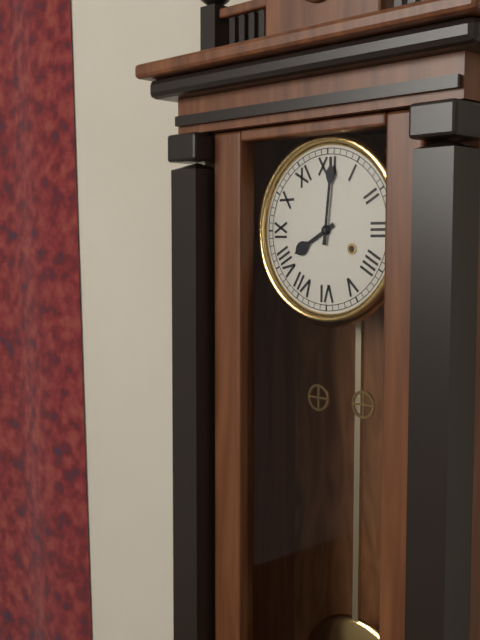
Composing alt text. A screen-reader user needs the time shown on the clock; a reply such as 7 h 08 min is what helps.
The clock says 8 h 01 min
